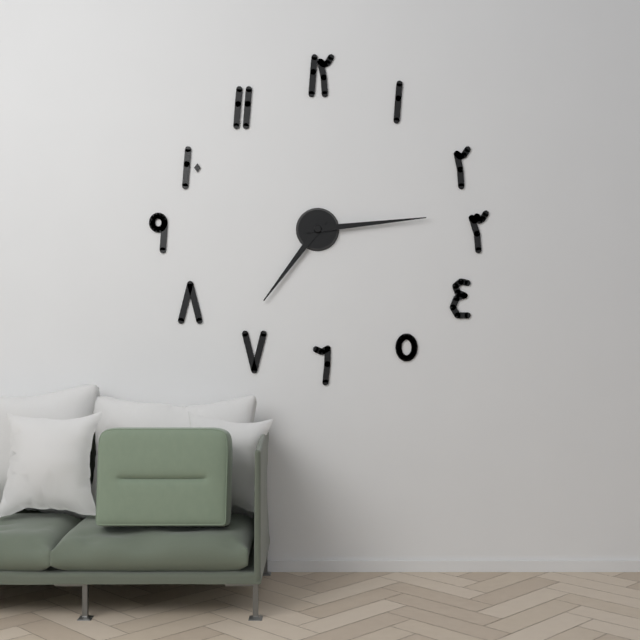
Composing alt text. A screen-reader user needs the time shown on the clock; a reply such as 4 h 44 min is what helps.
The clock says 7 h 14 min
